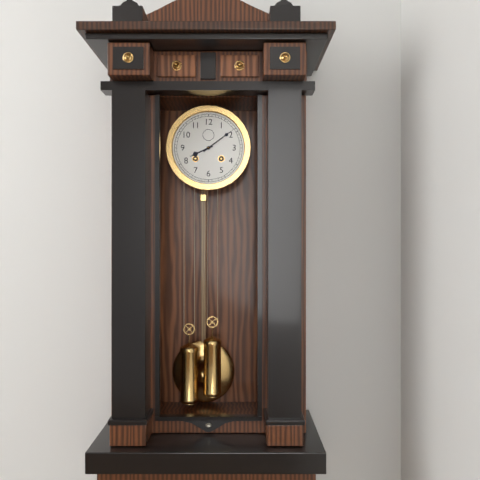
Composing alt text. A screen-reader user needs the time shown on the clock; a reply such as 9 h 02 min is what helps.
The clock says 8 h 09 min
